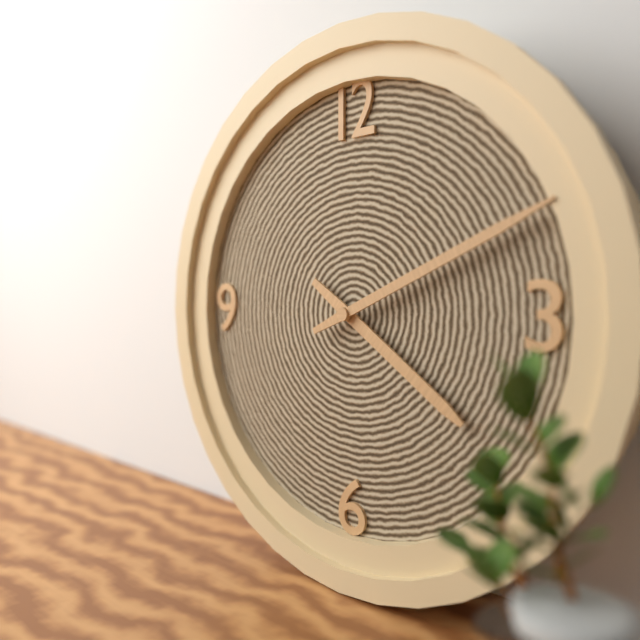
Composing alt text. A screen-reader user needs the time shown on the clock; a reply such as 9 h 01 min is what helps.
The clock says 4 h 11 min
